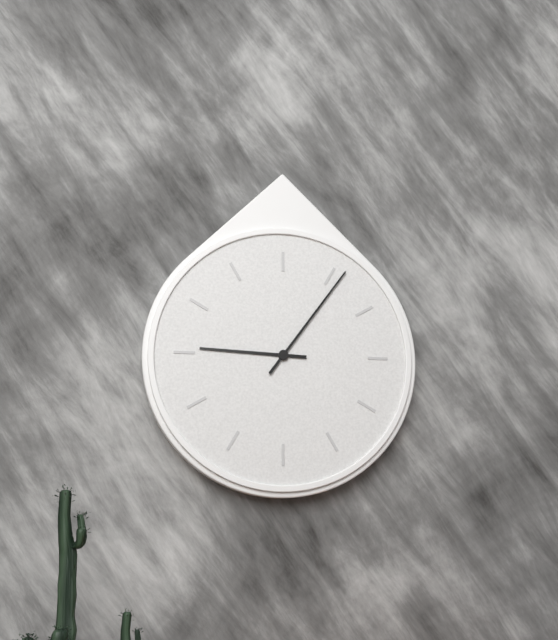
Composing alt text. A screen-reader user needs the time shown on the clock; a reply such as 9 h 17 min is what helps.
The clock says 9 h 06 min
